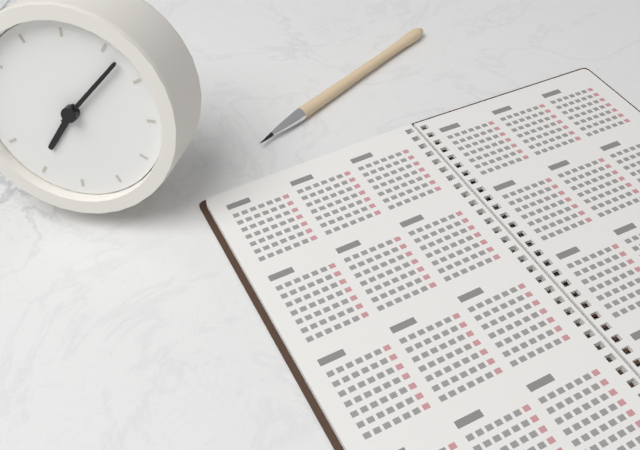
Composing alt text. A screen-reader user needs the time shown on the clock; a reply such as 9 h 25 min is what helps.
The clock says 7 h 07 min
